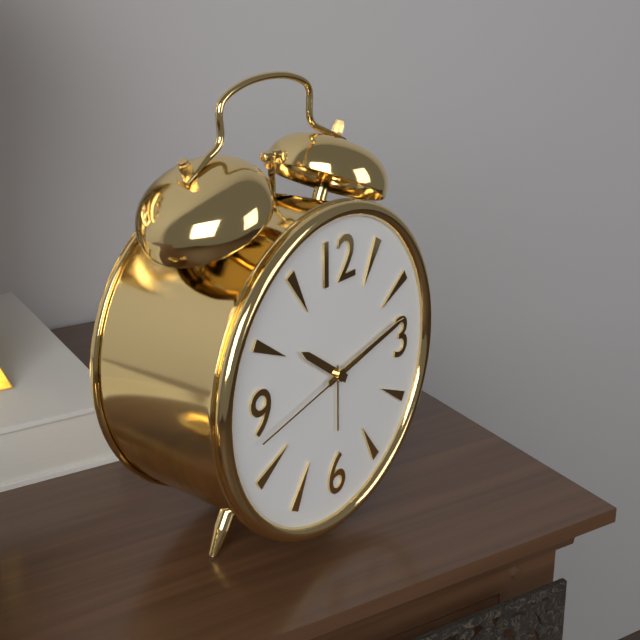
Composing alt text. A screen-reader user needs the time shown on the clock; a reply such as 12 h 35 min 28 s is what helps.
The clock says 10 h 13 min 43 s
